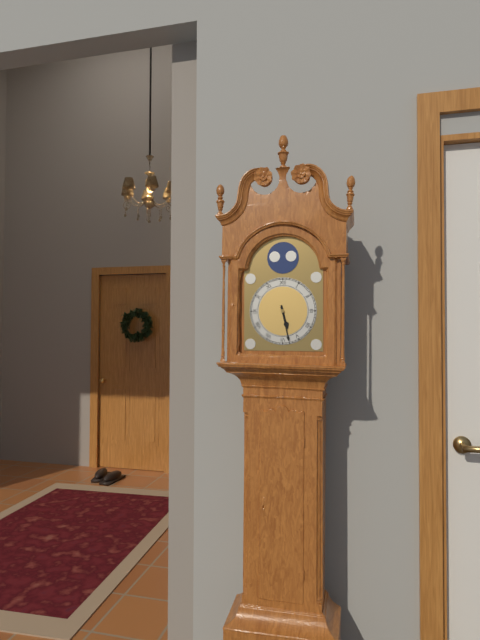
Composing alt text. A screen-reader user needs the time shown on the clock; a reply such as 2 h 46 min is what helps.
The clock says 5 h 28 min
